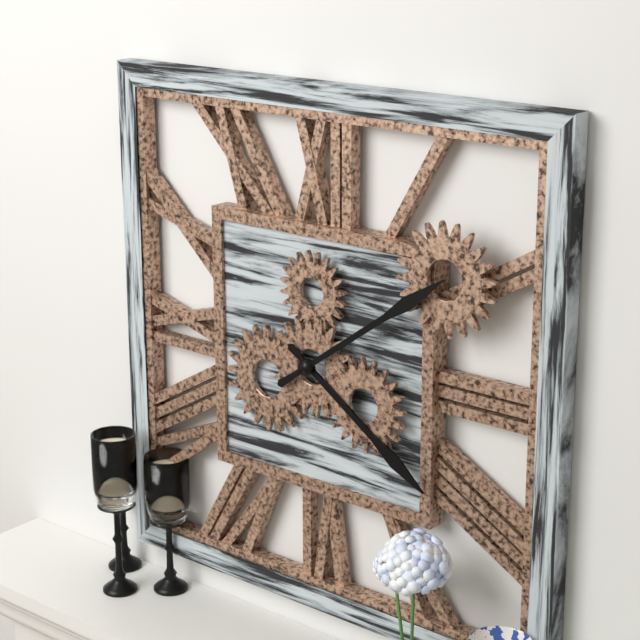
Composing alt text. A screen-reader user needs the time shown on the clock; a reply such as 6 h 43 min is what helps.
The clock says 4 h 09 min
